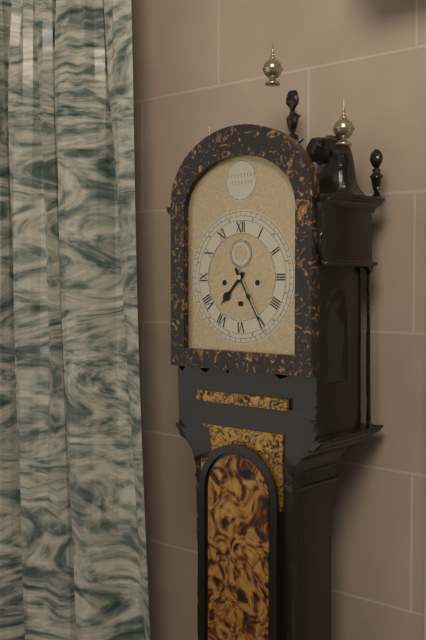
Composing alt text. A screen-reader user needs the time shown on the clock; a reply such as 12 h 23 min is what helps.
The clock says 7 h 25 min
